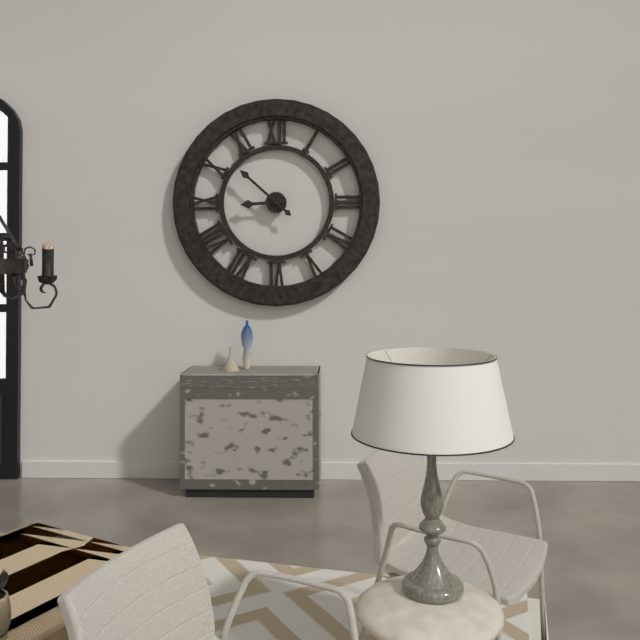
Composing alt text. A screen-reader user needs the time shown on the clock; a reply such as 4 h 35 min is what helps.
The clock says 8 h 52 min
